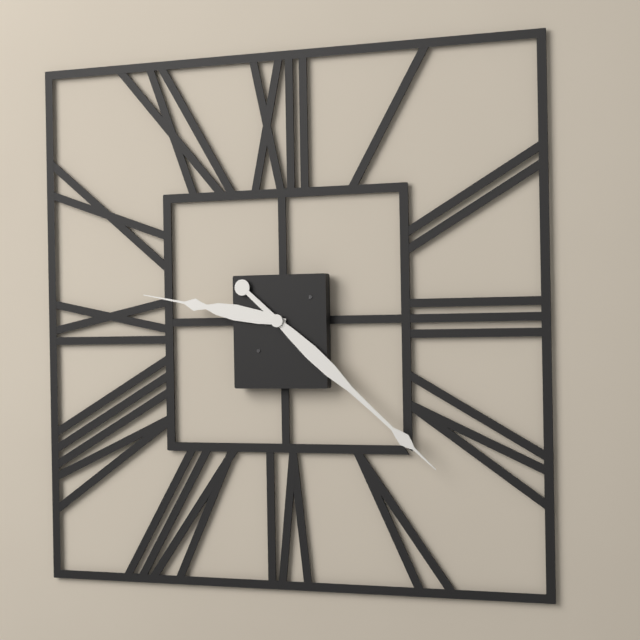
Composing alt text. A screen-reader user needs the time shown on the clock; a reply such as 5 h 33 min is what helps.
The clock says 9 h 22 min
